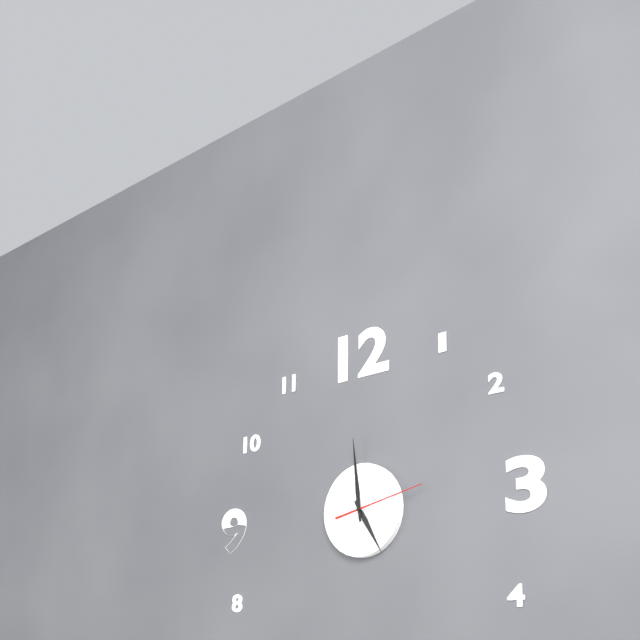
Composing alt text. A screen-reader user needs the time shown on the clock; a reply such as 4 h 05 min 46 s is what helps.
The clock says 4 h 59 min 13 s
